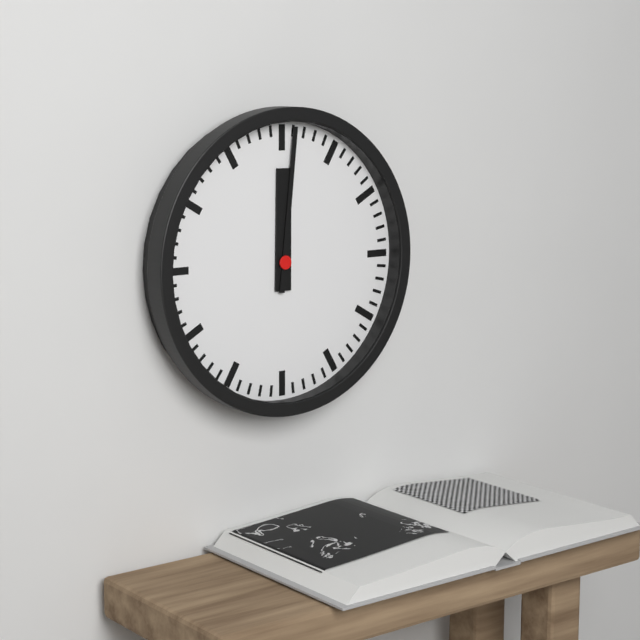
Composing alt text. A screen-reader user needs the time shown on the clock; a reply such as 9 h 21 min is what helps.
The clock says 12 h 01 min
